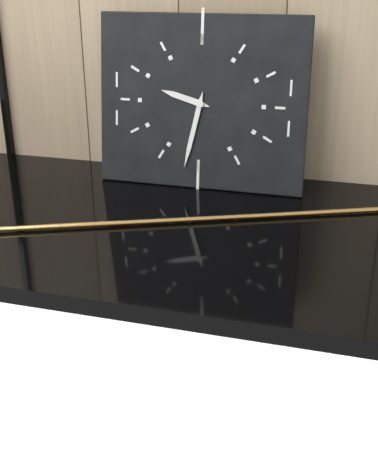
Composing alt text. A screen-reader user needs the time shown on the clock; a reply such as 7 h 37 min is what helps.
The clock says 9 h 32 min
